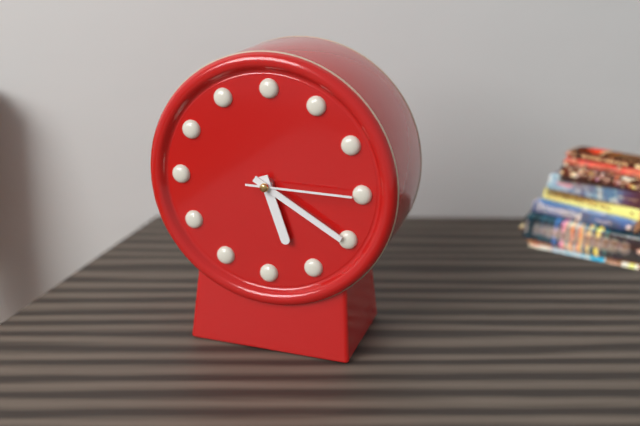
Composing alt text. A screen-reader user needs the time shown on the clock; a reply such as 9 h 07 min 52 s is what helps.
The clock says 5 h 20 min 15 s
